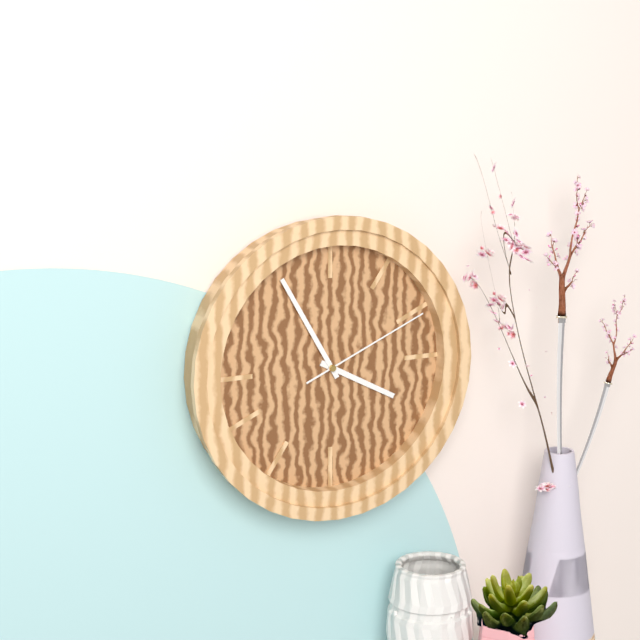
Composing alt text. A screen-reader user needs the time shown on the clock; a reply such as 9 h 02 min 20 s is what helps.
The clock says 3 h 55 min 11 s
